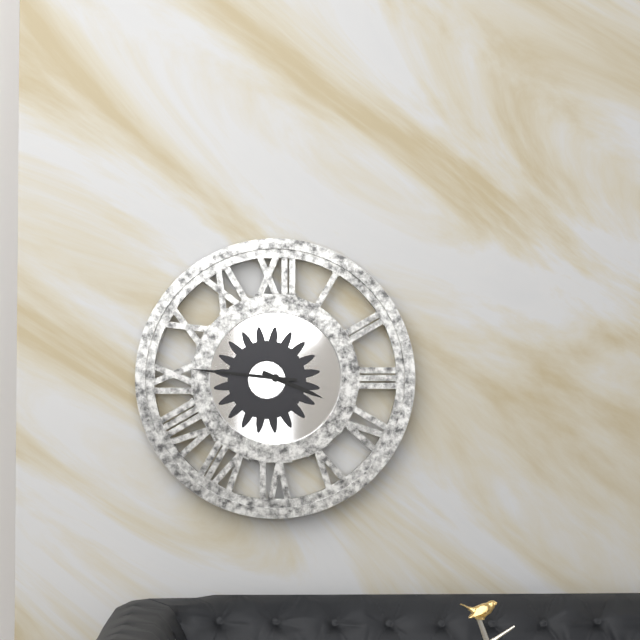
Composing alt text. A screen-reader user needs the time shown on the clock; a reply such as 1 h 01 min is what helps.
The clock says 3 h 46 min
